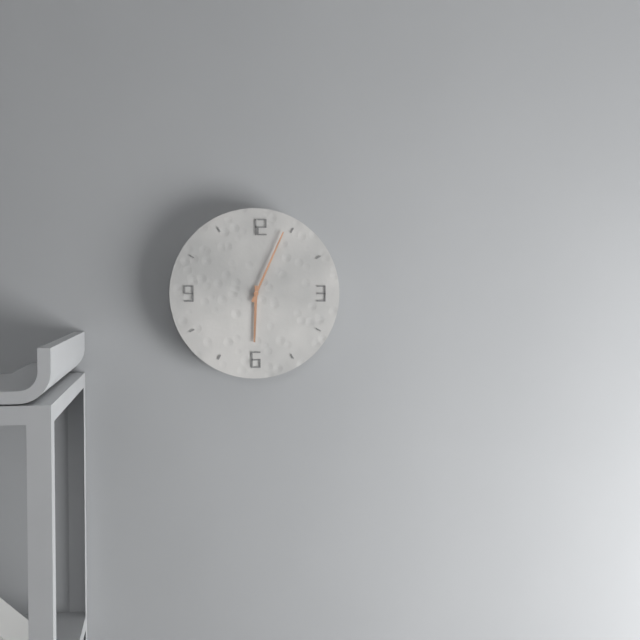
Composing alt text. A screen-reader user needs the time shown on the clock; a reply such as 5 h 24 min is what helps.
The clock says 6 h 04 min
